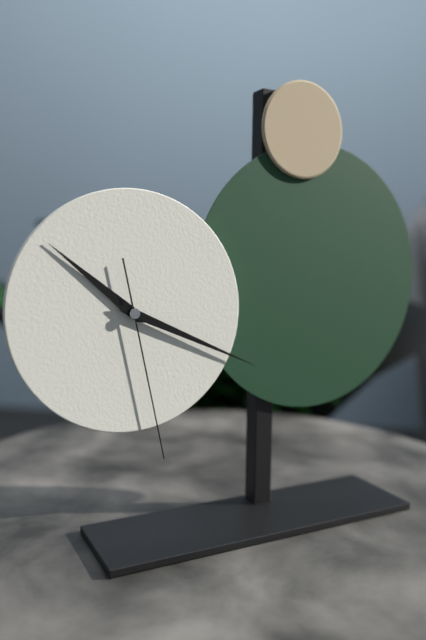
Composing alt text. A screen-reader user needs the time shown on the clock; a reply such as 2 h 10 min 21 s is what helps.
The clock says 10 h 19 min 28 s
